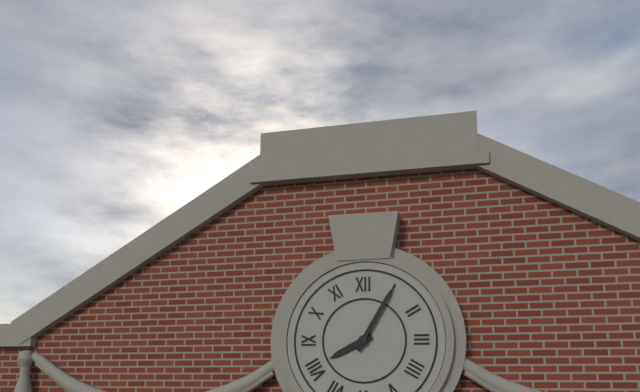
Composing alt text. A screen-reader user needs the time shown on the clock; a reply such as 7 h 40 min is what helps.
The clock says 8 h 05 min
